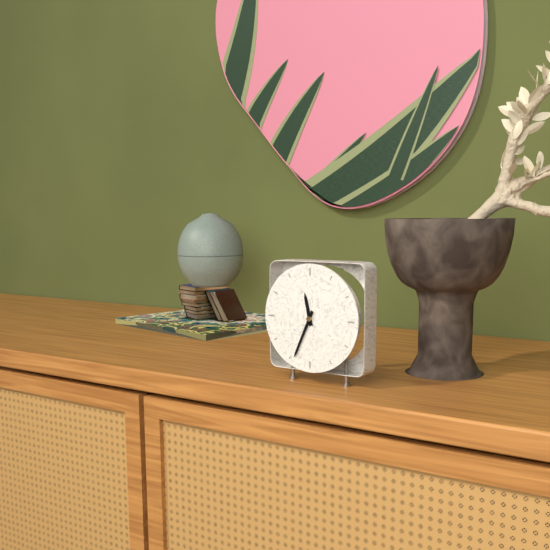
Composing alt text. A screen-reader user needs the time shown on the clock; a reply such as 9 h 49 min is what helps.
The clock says 11 h 34 min
